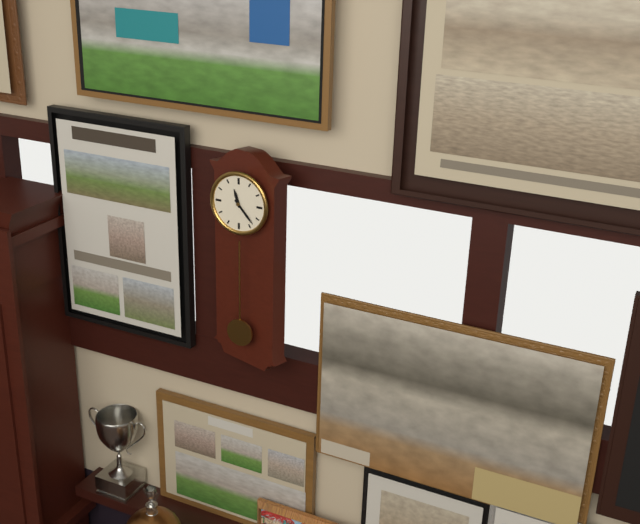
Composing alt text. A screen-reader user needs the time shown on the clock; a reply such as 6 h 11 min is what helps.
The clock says 11 h 23 min
